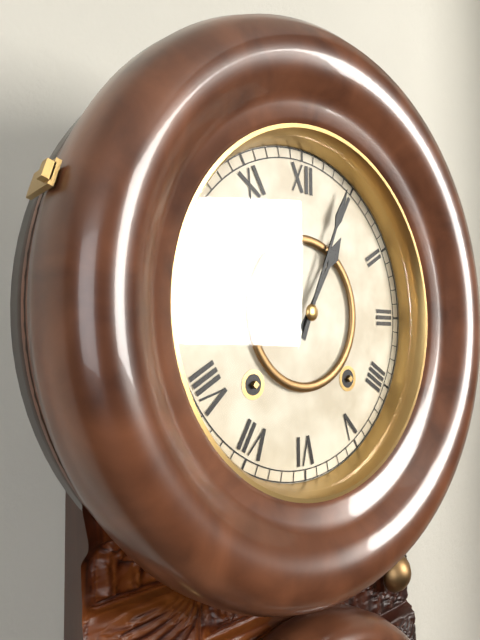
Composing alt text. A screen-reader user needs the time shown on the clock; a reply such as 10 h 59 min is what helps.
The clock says 1 h 04 min
